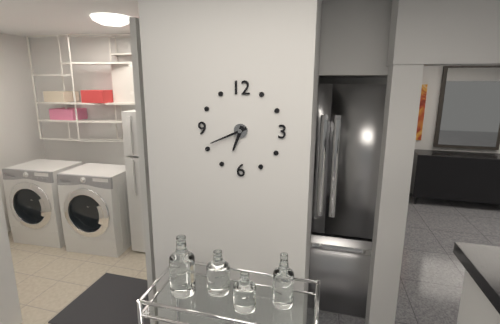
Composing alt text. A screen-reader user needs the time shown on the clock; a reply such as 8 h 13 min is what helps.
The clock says 6 h 41 min
